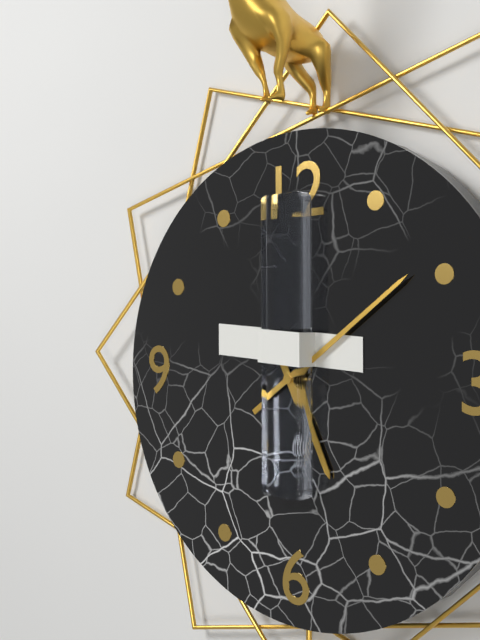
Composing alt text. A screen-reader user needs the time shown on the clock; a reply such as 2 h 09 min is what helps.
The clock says 5 h 09 min
